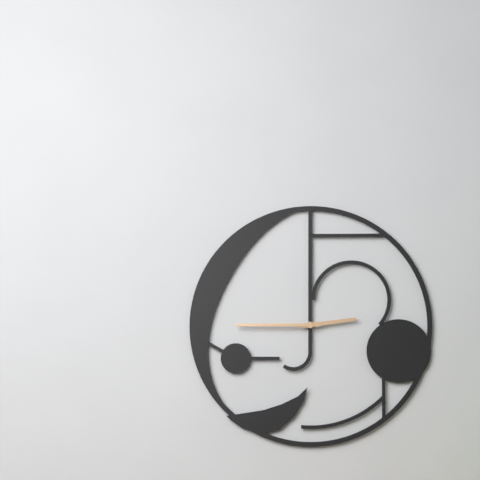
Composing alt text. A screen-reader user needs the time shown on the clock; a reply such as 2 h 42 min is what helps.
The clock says 2 h 45 min
